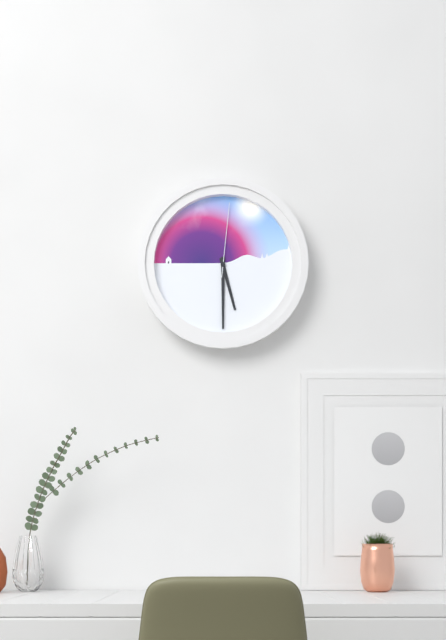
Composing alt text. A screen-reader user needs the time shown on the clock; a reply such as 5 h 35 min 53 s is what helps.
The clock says 5 h 30 min 01 s
